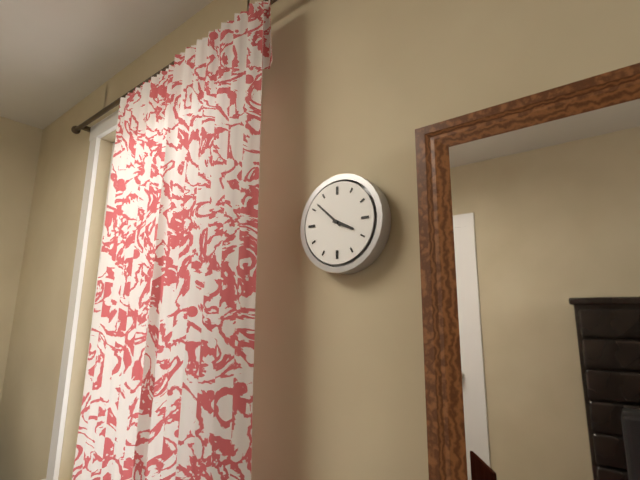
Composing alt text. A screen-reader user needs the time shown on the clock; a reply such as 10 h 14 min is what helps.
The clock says 3 h 52 min
